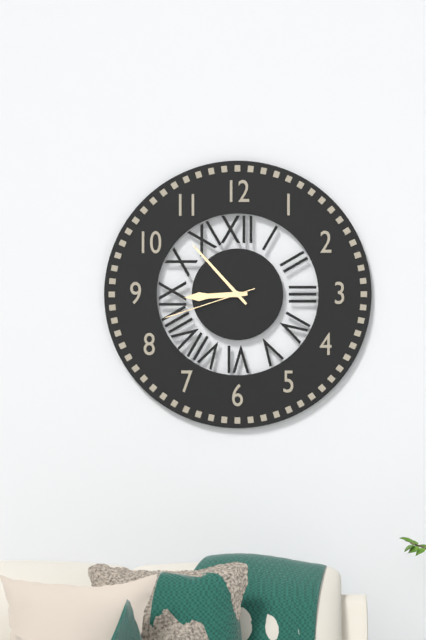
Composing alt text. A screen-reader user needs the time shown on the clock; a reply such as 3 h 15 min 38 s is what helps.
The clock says 8 h 53 min 42 s
